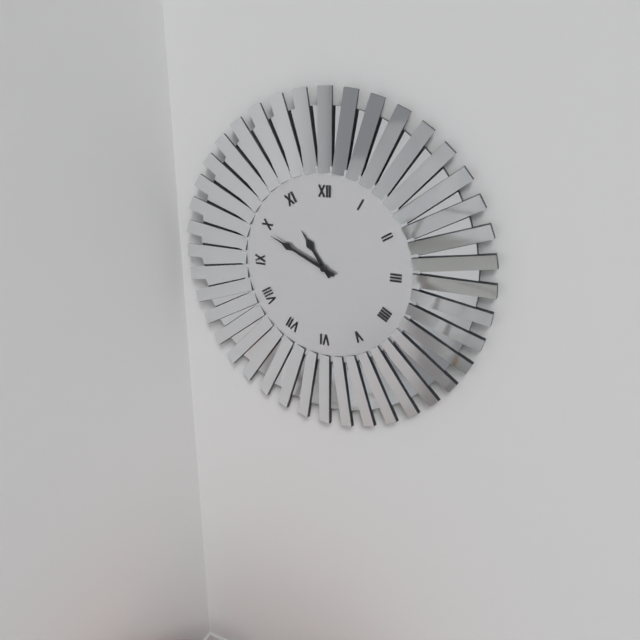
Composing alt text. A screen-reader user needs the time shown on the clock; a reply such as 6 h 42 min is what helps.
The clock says 10 h 49 min
